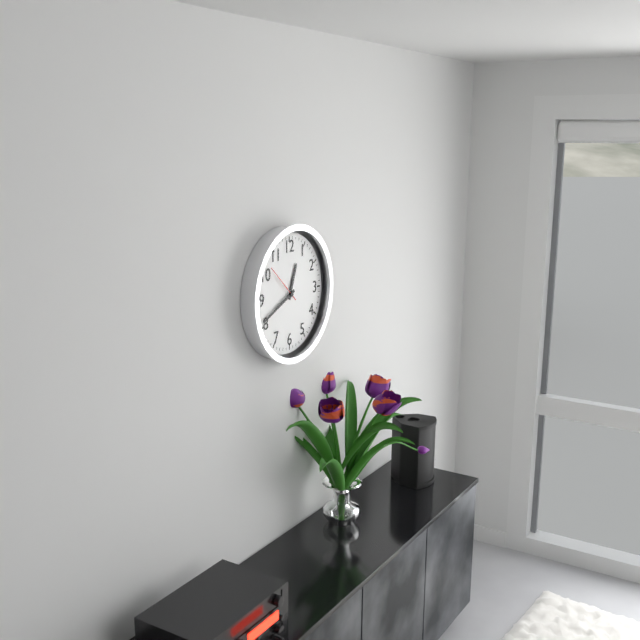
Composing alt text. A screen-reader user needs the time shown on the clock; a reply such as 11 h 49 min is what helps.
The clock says 12 h 41 min
